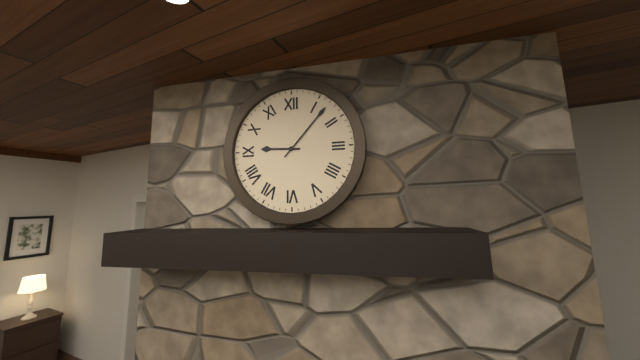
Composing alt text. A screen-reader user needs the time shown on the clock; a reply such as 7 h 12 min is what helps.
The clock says 9 h 07 min
